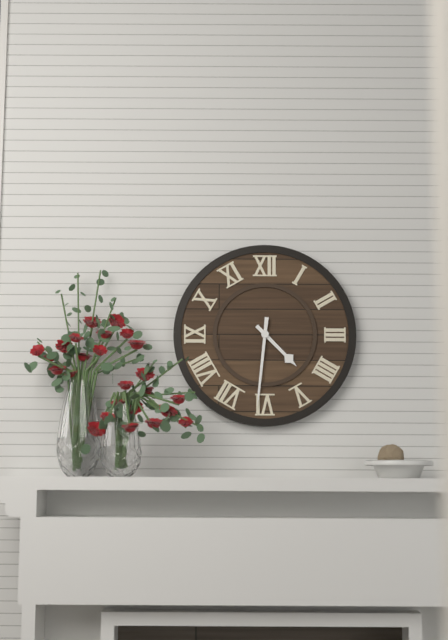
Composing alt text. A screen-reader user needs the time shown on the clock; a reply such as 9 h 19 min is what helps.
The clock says 4 h 31 min
